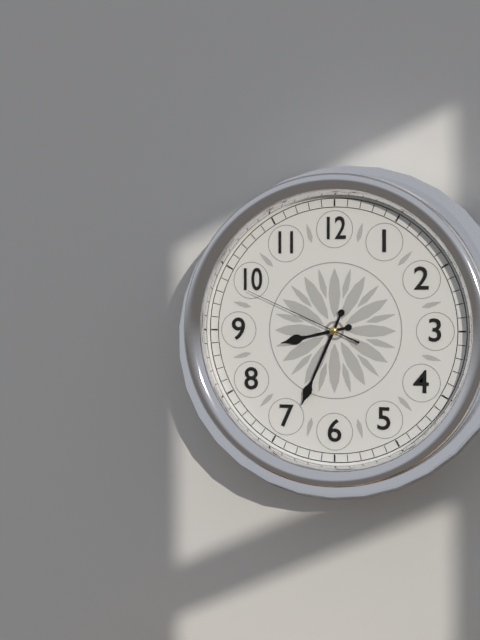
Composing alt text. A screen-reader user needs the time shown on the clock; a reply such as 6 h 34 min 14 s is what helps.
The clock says 8 h 34 min 49 s
